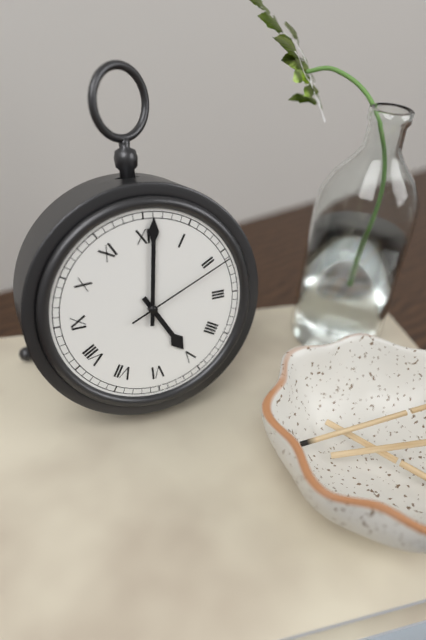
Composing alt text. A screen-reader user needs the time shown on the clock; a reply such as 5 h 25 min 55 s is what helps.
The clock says 5 h 01 min 11 s
